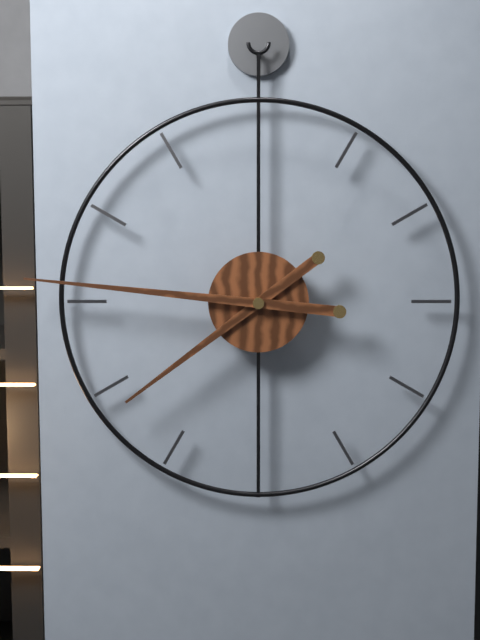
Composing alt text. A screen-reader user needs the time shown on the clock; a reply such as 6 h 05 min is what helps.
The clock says 7 h 46 min
